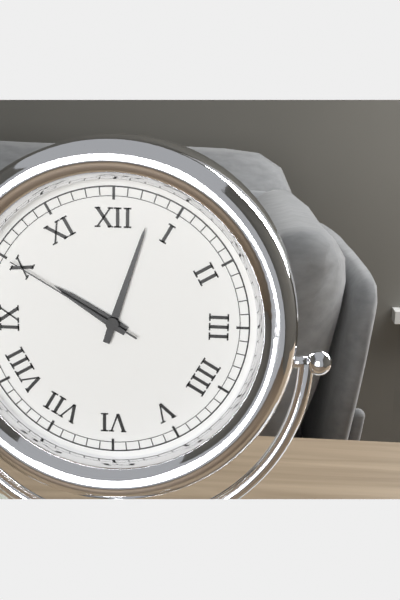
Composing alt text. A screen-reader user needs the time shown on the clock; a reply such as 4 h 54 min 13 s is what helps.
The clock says 10 h 03 min 50 s
